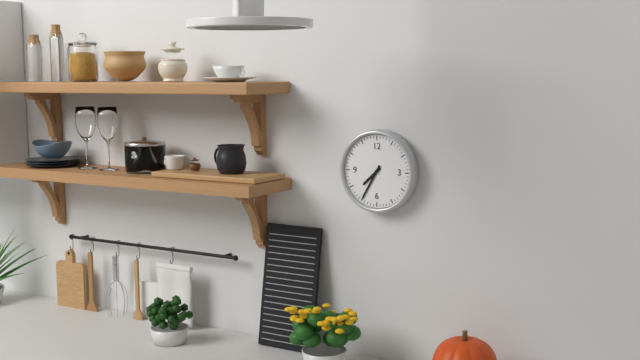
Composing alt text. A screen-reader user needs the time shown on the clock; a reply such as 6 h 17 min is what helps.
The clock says 7 h 35 min
